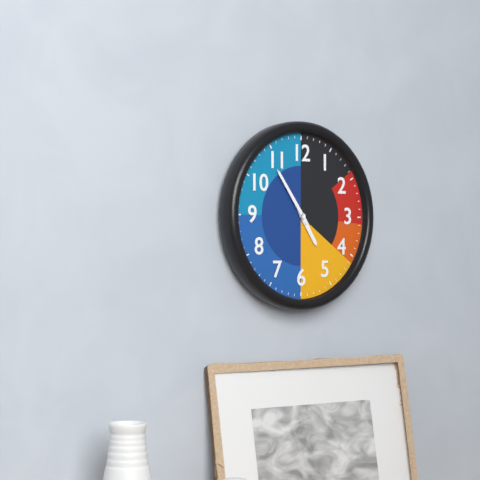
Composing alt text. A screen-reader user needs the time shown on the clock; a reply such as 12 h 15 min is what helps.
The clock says 4 h 54 min
